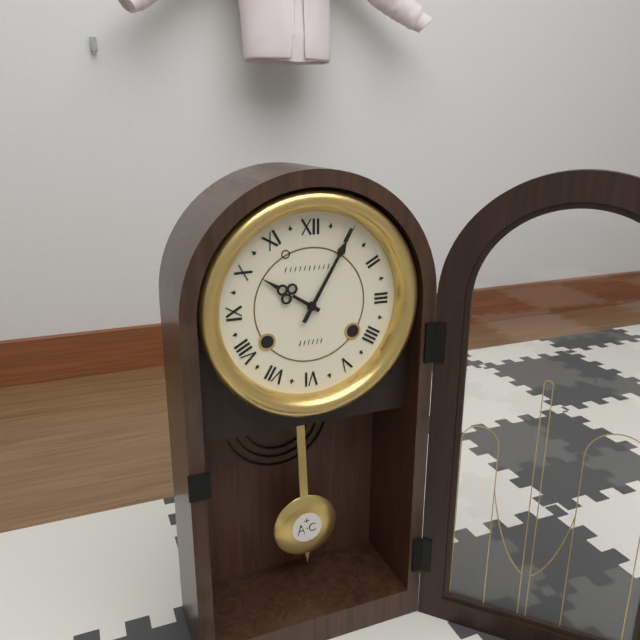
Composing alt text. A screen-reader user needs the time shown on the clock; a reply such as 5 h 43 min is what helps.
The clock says 10 h 05 min
